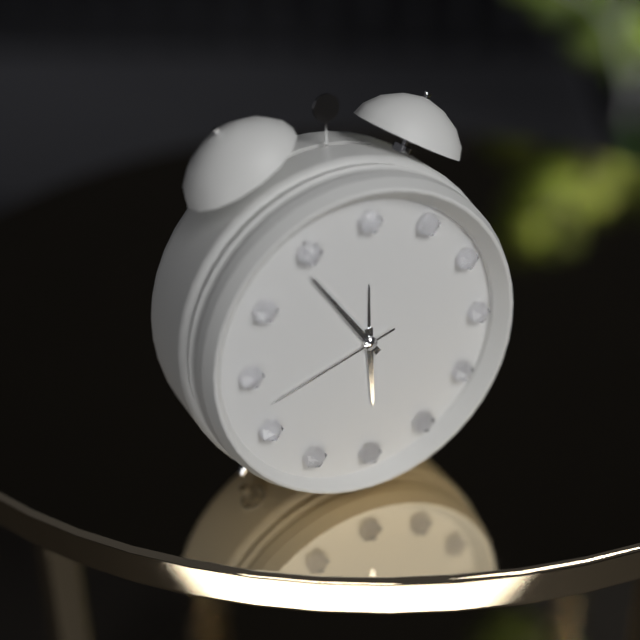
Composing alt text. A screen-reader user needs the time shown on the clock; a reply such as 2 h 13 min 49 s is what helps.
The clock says 5 h 54 min 42 s
